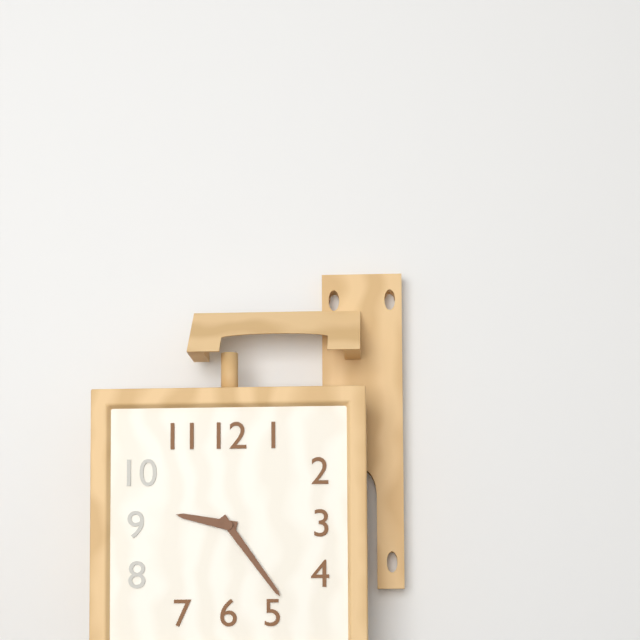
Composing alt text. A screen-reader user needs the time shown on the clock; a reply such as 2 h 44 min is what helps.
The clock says 9 h 24 min
